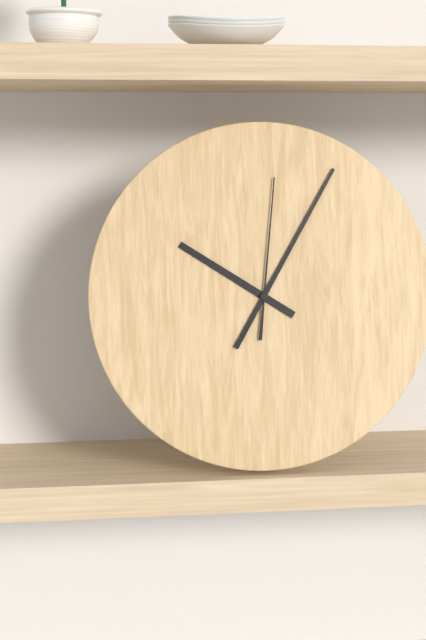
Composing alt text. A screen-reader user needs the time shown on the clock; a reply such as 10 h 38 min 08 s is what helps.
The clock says 10 h 05 min 01 s
